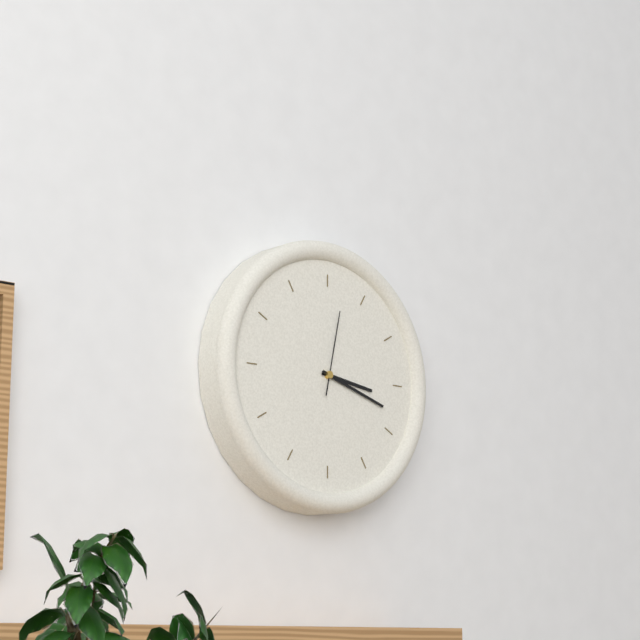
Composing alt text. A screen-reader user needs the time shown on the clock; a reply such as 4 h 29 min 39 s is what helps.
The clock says 3 h 18 min 02 s
